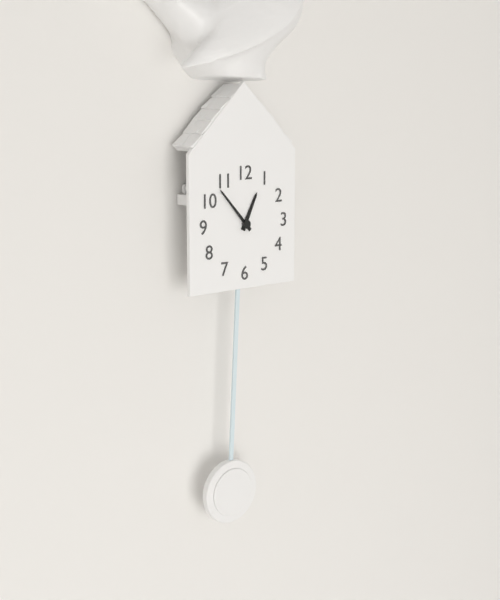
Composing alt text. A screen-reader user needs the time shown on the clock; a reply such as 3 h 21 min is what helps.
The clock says 12 h 53 min
